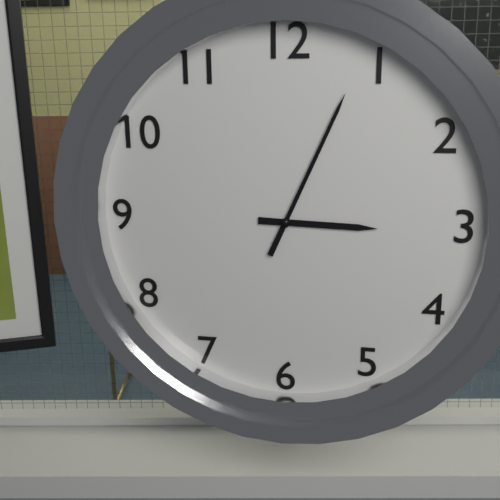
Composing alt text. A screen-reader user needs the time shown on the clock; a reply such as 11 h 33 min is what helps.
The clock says 3 h 04 min
